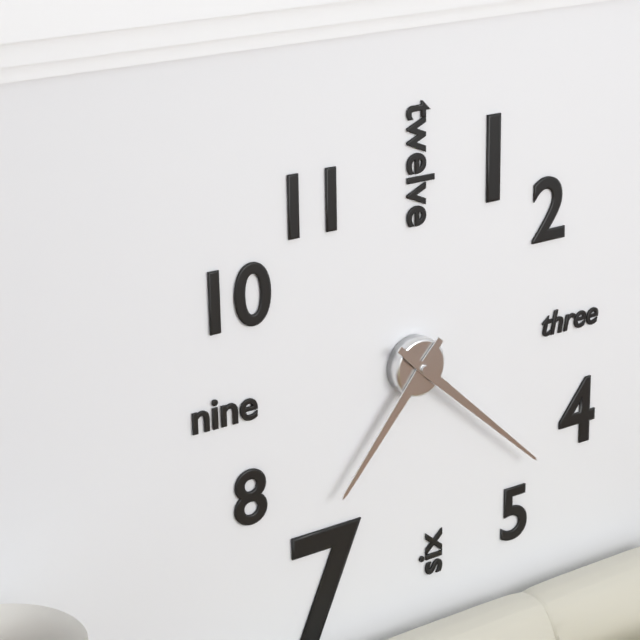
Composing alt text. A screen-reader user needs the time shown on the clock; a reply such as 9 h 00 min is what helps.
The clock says 7 h 22 min
